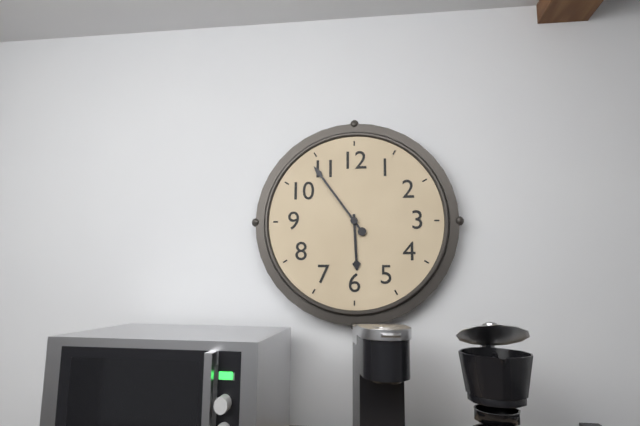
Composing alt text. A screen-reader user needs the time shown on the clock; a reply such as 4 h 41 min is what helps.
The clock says 5 h 54 min
